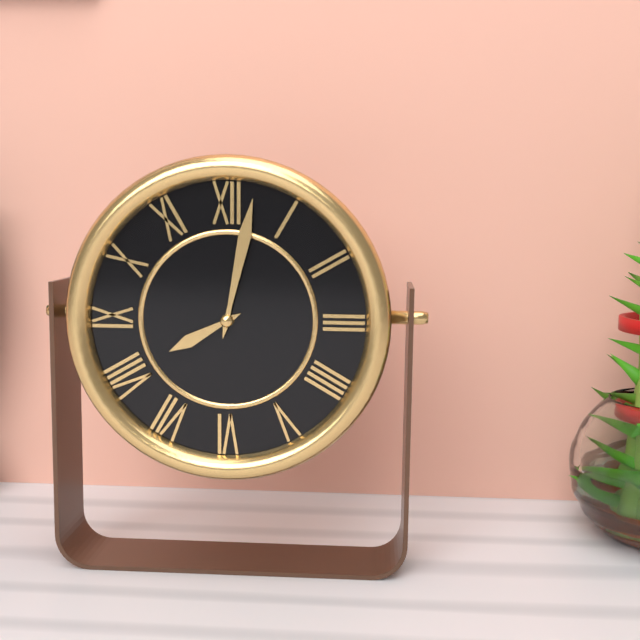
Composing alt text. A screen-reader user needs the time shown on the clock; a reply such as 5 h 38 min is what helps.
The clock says 8 h 02 min
